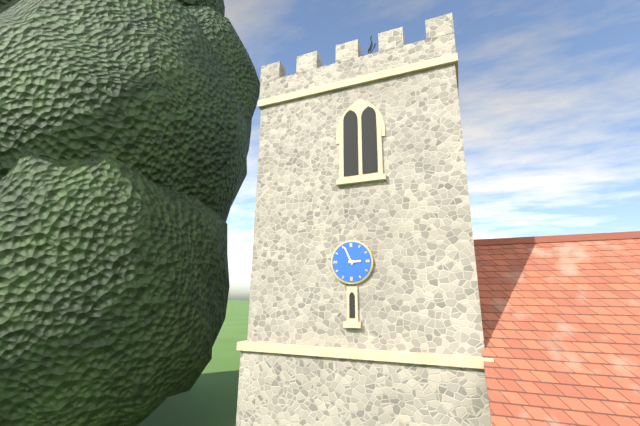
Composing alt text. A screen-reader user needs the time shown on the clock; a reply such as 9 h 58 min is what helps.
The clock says 2 h 56 min
